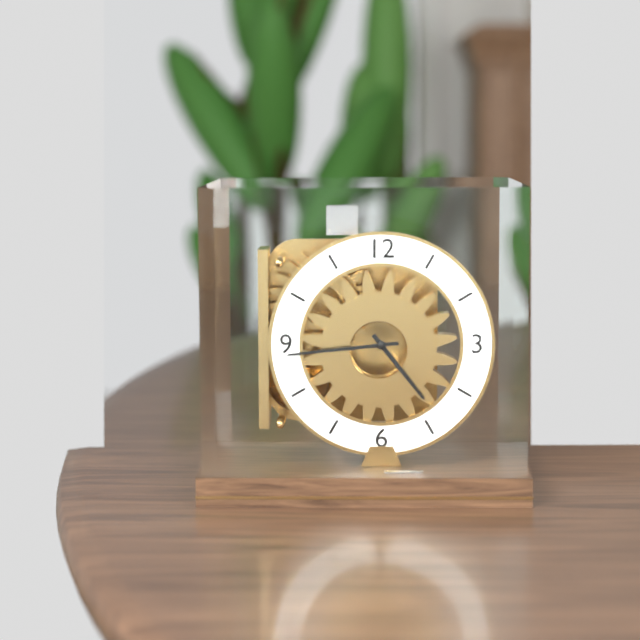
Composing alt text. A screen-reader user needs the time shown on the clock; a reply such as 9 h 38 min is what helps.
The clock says 4 h 44 min
